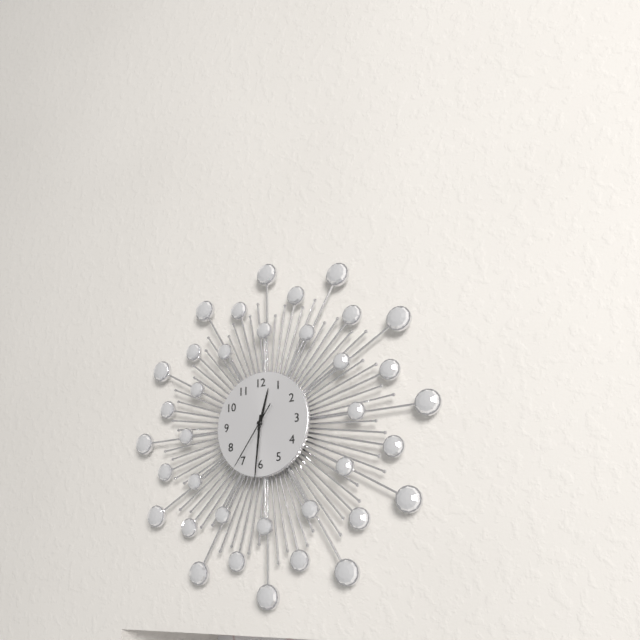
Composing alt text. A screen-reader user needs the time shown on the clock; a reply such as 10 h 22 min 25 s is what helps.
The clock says 12 h 31 min 36 s
